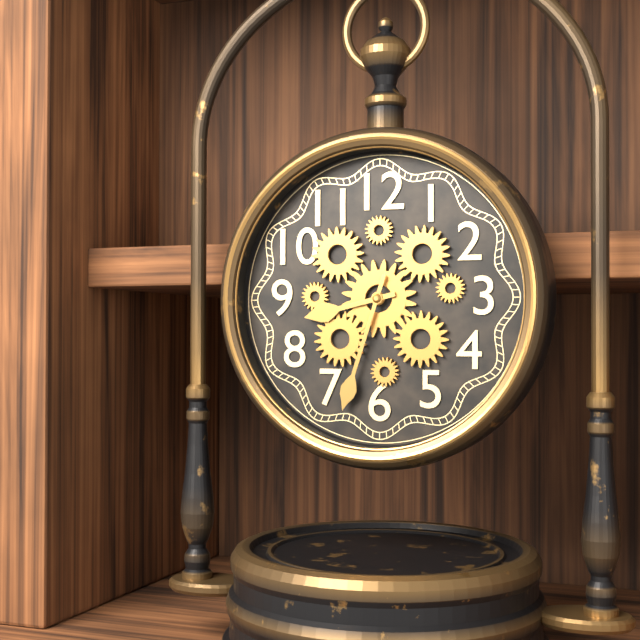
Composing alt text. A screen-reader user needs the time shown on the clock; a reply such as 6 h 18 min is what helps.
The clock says 8 h 33 min
